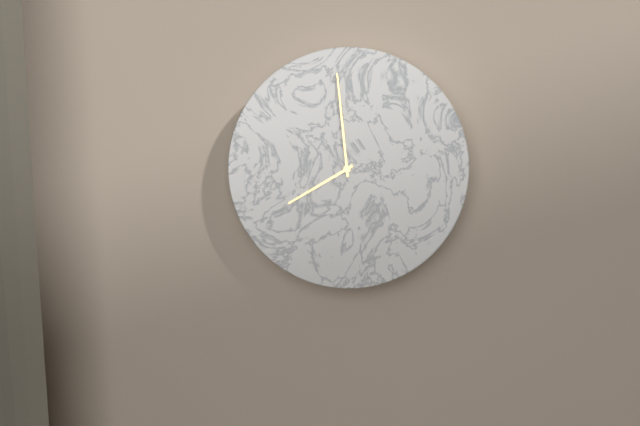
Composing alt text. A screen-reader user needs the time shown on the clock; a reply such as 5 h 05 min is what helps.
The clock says 7 h 59 min
